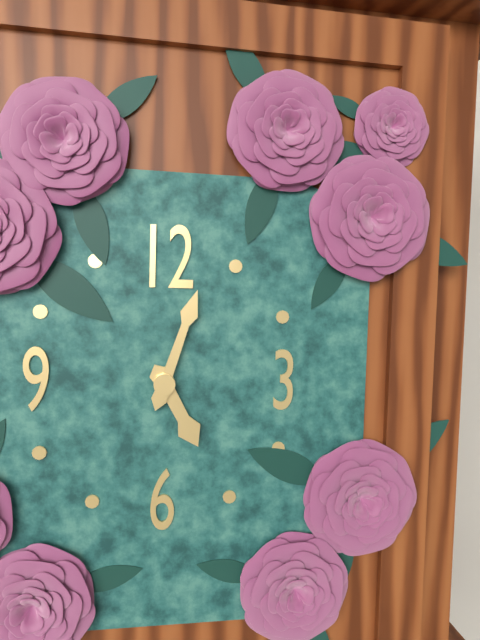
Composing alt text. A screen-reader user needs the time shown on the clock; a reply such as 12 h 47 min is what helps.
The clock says 5 h 03 min
